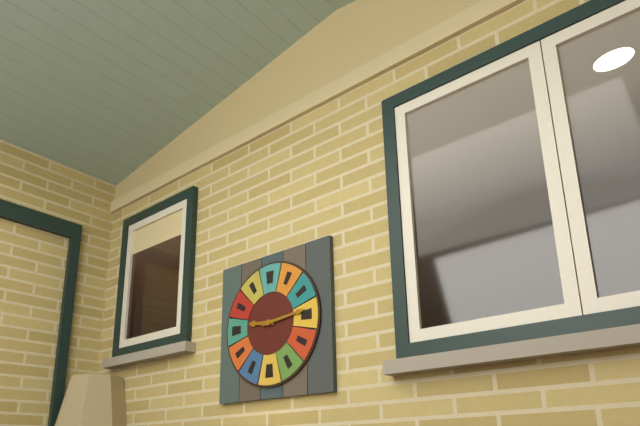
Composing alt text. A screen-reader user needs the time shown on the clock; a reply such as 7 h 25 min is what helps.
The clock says 9 h 14 min
